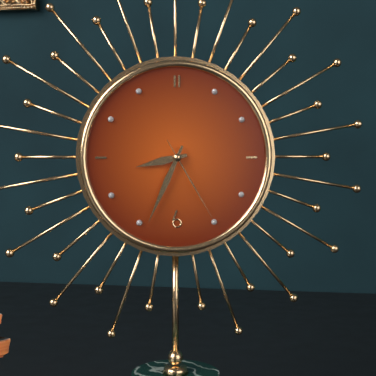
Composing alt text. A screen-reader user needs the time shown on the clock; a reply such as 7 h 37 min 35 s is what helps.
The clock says 8 h 34 min 25 s
